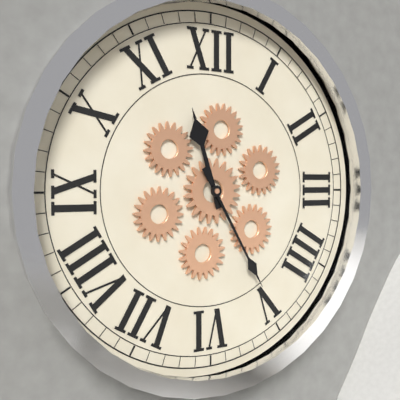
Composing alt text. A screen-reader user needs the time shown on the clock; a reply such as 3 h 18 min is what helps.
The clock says 11 h 25 min
